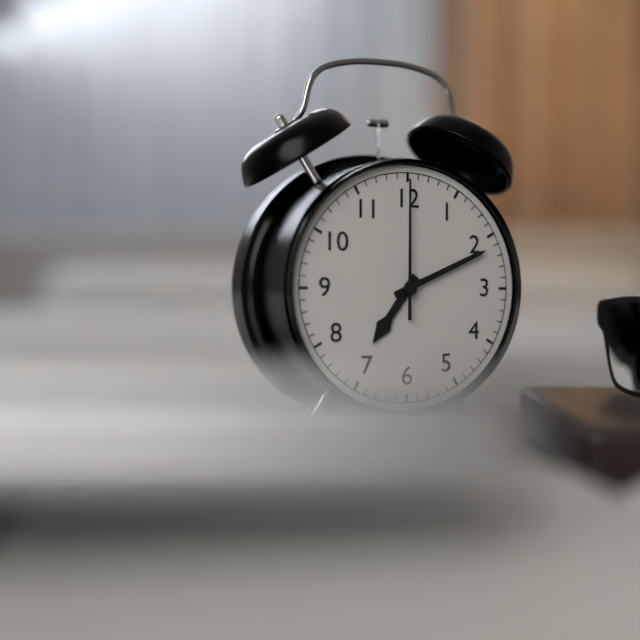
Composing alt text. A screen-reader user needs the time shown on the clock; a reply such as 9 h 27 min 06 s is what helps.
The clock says 7 h 11 min 00 s
